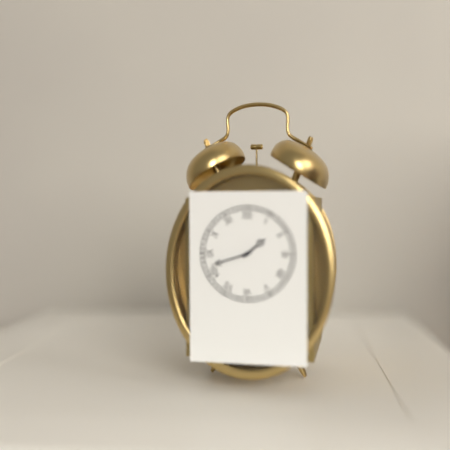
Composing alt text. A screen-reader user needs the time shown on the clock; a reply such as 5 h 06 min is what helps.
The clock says 1 h 42 min
